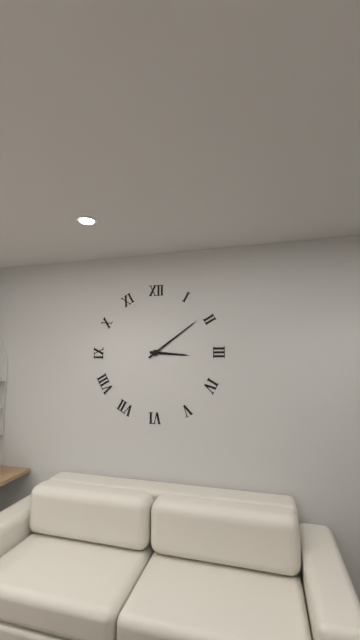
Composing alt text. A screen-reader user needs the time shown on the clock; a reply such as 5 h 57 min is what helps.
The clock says 3 h 09 min
